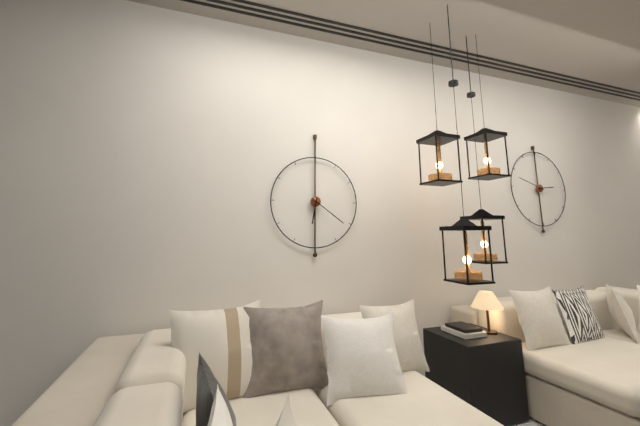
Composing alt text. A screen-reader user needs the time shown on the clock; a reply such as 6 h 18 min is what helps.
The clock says 6 h 21 min
